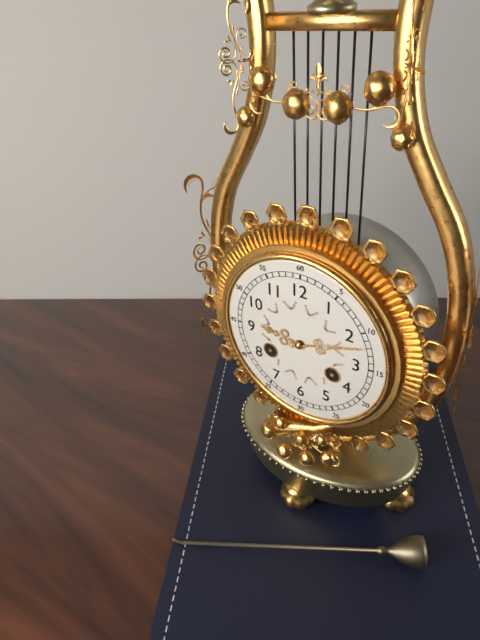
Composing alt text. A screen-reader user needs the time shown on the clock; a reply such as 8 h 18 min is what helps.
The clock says 9 h 12 min
